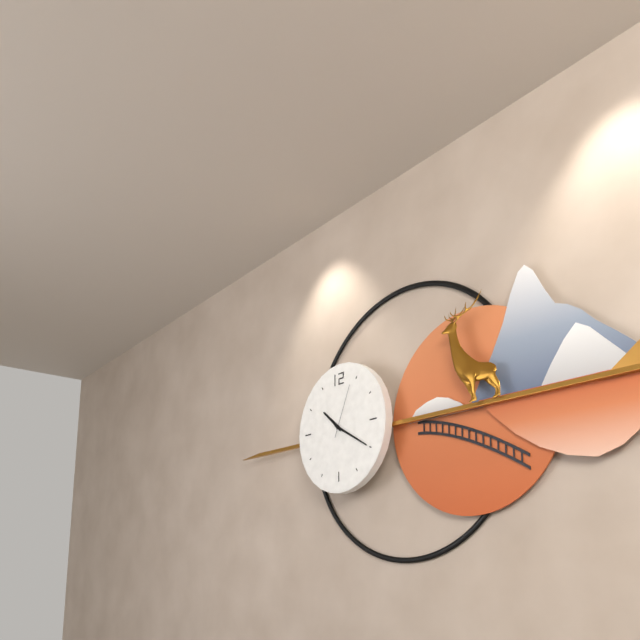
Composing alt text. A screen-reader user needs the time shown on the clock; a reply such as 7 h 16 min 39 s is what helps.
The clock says 10 h 20 min 04 s
